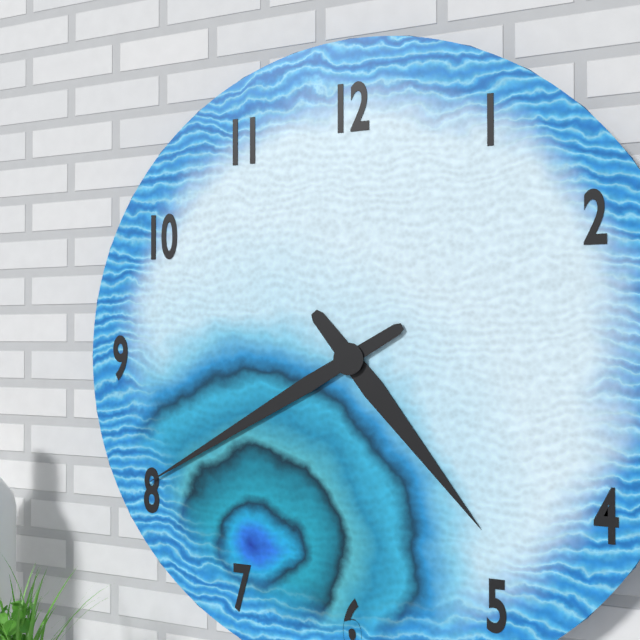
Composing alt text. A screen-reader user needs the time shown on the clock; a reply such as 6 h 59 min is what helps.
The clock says 4 h 40 min
